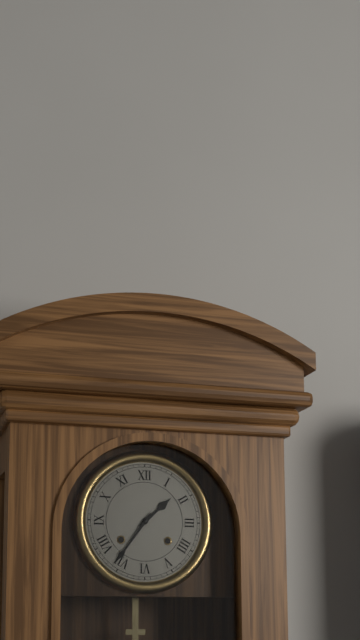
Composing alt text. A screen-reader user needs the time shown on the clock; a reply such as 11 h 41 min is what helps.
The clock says 1 h 36 min
